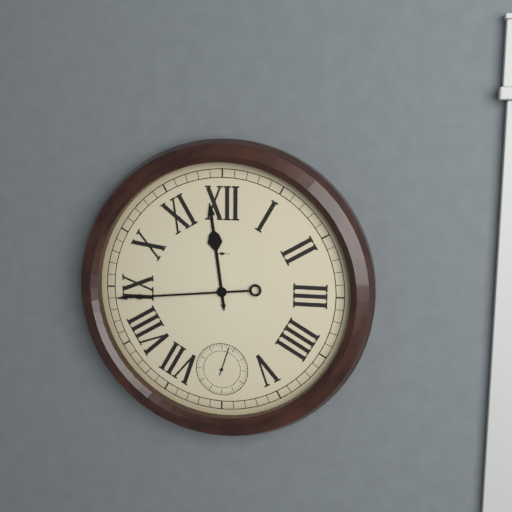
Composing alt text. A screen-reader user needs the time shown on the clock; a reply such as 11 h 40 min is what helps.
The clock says 11 h 44 min
